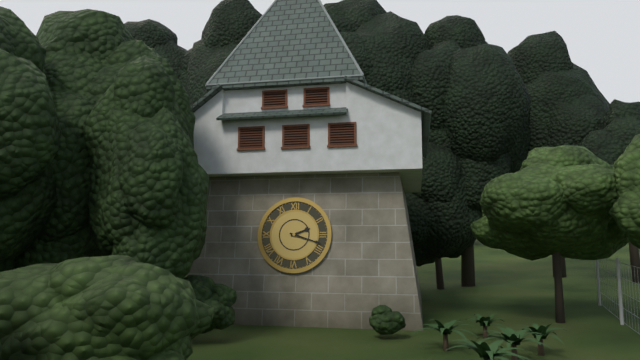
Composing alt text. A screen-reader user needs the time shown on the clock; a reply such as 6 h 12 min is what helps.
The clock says 2 h 18 min
